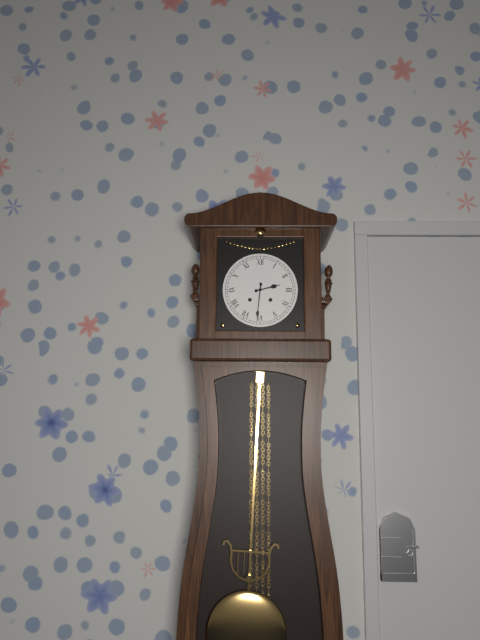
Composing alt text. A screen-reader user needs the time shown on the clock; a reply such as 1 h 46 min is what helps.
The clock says 2 h 31 min
